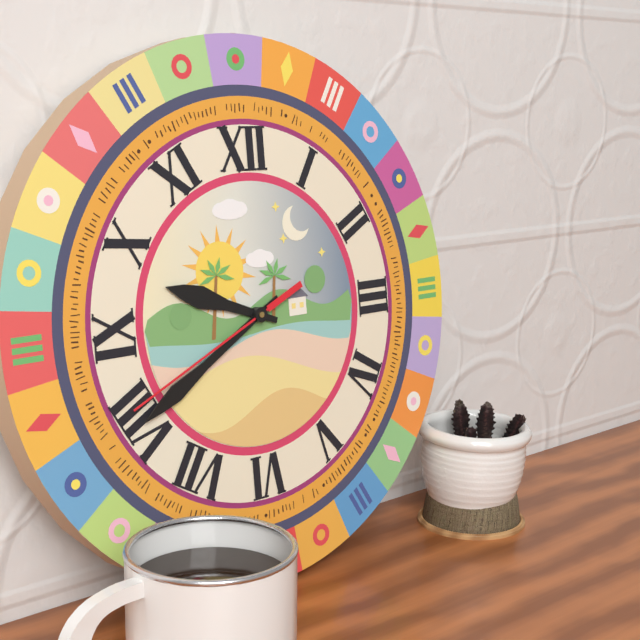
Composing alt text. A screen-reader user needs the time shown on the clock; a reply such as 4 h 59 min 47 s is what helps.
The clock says 9 h 40 min 41 s
